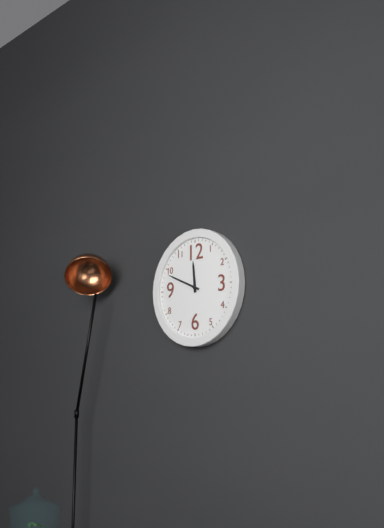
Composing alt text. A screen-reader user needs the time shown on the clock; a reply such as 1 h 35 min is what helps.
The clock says 11 h 49 min
